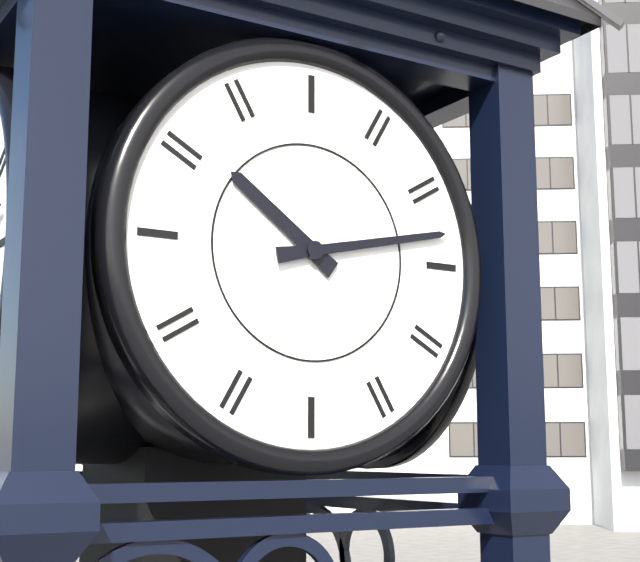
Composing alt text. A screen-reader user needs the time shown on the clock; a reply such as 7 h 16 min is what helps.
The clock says 10 h 13 min
